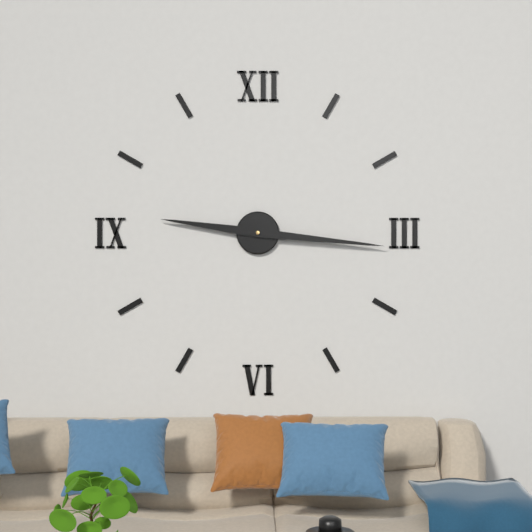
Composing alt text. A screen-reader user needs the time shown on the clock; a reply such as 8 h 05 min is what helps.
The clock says 9 h 16 min
